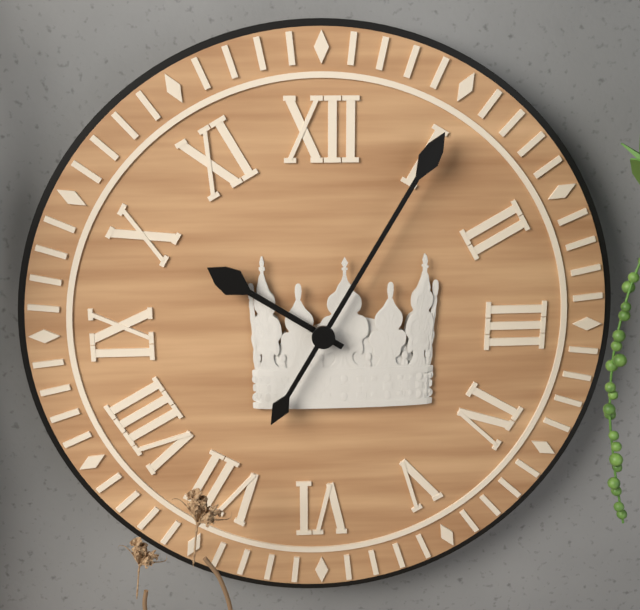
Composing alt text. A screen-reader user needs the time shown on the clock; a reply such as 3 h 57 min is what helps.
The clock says 10 h 05 min
